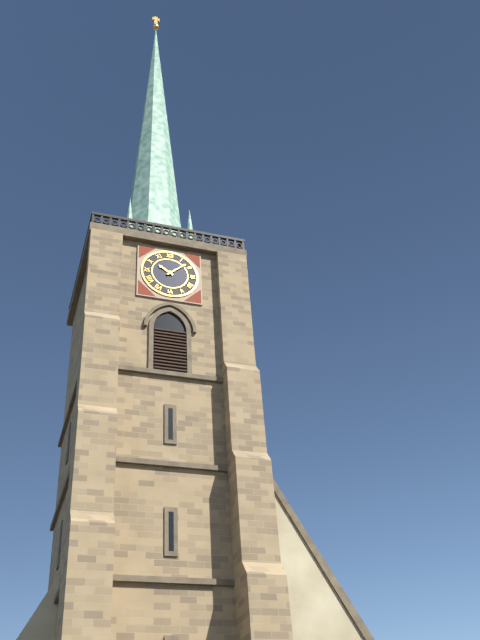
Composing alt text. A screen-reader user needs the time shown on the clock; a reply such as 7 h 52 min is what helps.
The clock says 10 h 08 min
